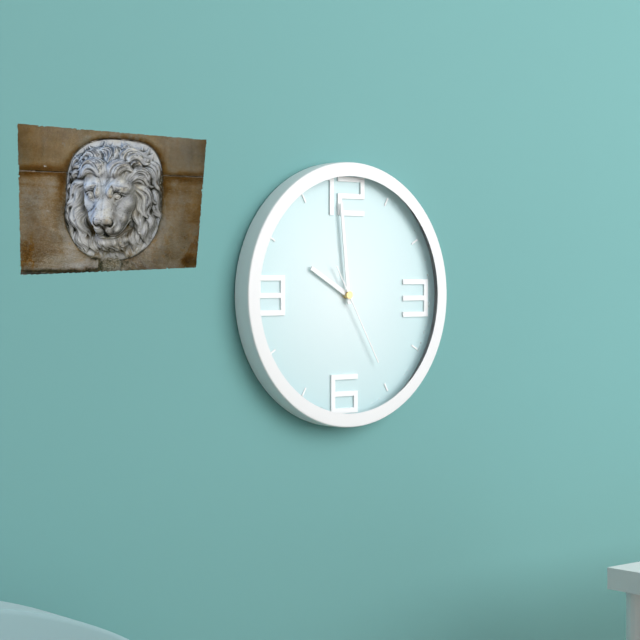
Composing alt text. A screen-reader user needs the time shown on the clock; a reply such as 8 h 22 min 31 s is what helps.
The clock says 9 h 59 min 25 s
